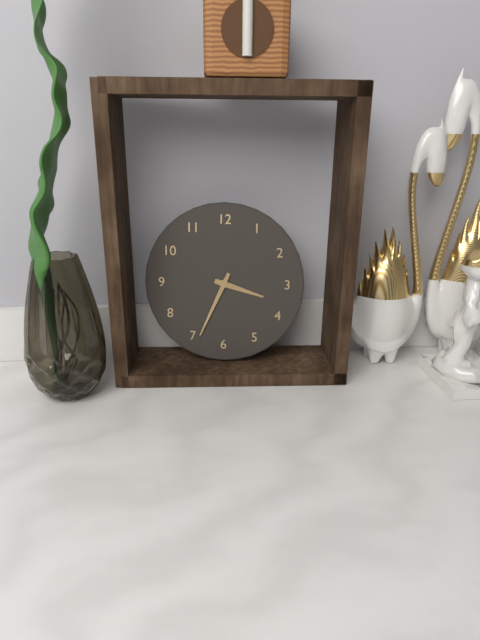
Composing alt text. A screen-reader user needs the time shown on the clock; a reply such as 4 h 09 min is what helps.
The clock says 3 h 34 min
